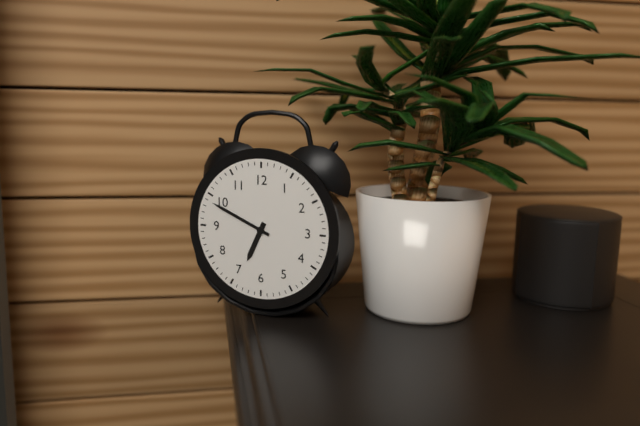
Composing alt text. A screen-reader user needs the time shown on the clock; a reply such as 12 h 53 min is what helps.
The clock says 6 h 49 min
